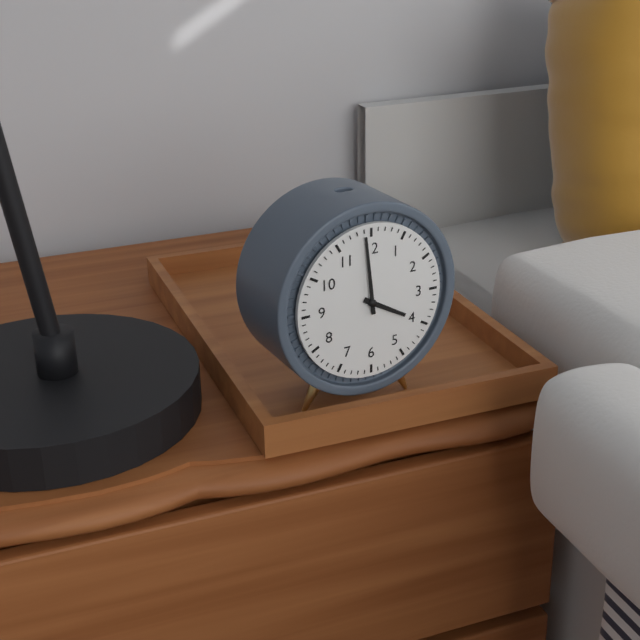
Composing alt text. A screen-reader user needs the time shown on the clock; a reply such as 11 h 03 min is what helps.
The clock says 3 h 59 min
